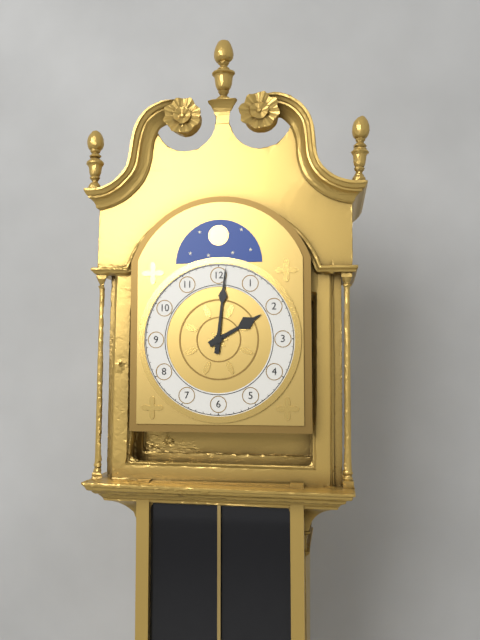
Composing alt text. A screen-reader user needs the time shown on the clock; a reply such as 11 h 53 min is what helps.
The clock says 2 h 01 min
